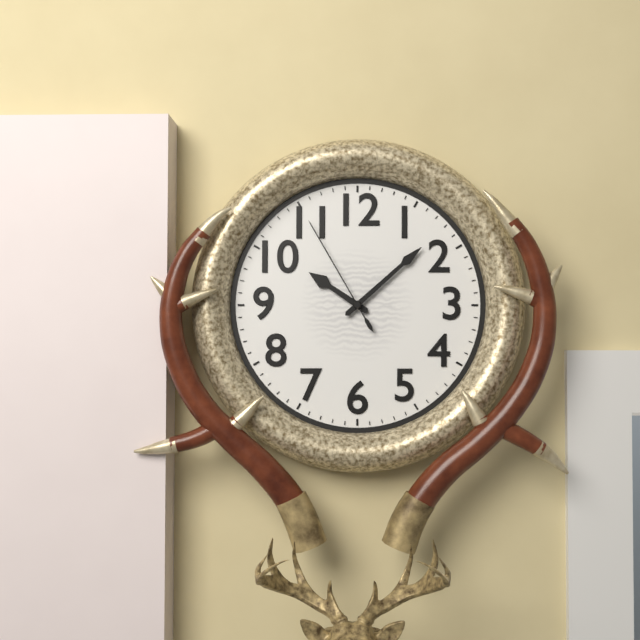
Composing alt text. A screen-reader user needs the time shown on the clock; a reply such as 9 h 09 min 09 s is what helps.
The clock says 10 h 08 min 55 s
